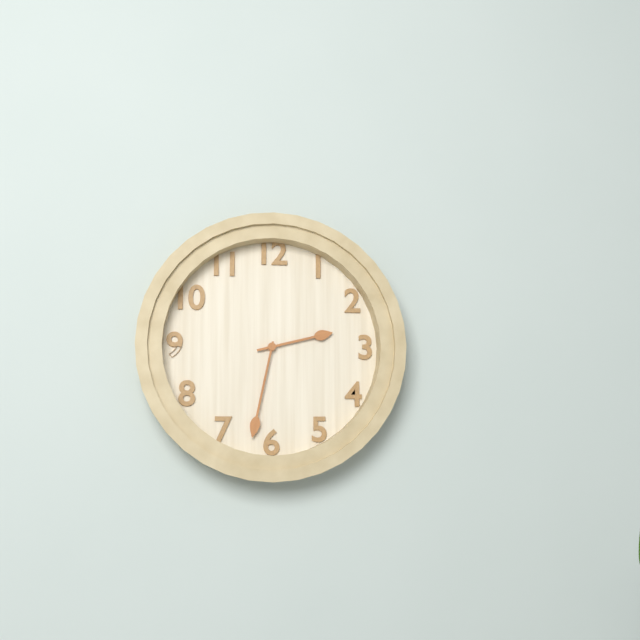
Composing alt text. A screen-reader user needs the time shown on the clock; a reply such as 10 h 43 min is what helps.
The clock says 2 h 32 min
